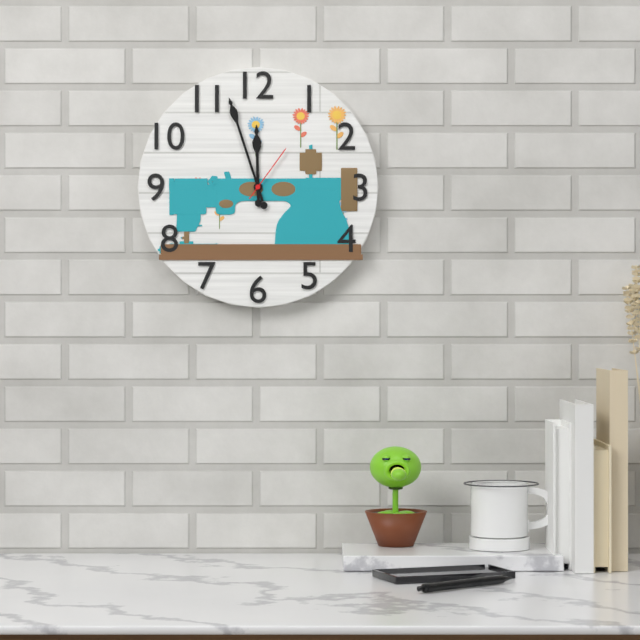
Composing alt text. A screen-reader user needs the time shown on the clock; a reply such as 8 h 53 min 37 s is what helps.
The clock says 11 h 57 min 06 s
